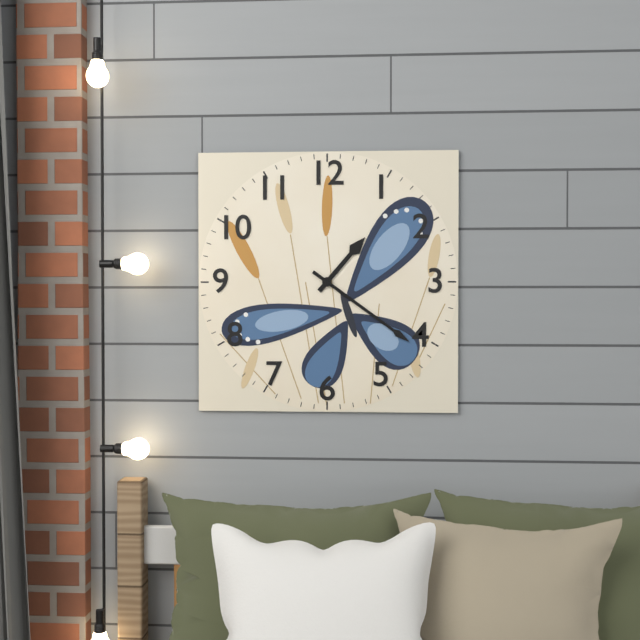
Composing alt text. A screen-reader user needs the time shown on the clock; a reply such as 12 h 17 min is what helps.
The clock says 1 h 21 min
